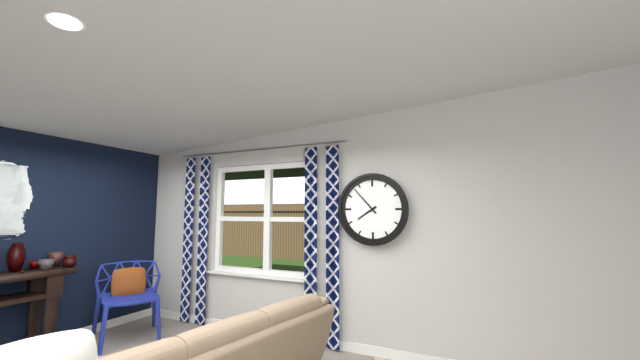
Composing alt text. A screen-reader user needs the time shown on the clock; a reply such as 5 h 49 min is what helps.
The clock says 7 h 53 min
